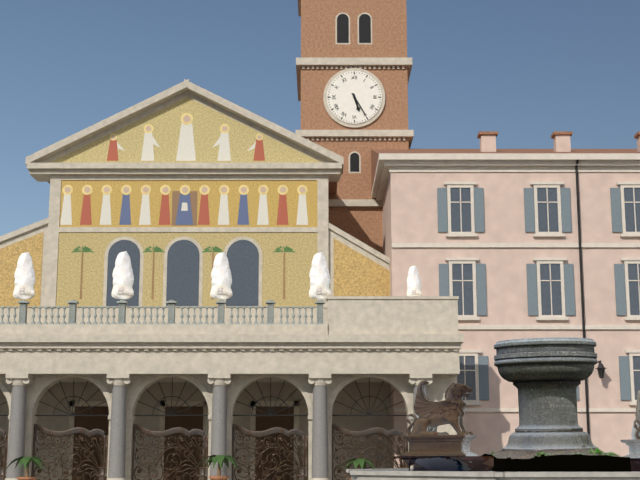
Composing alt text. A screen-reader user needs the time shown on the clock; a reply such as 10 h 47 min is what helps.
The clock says 5 h 25 min
